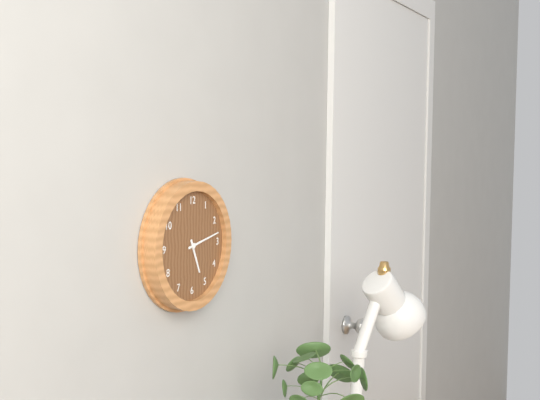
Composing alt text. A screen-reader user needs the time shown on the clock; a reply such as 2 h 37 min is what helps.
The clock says 5 h 13 min
